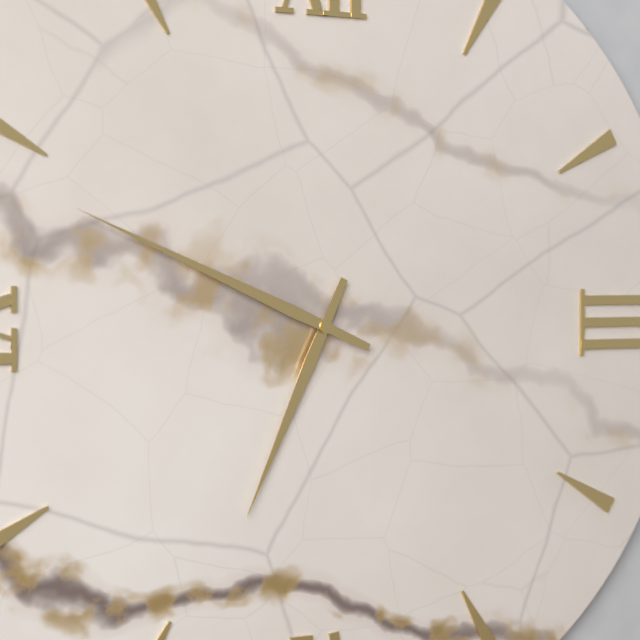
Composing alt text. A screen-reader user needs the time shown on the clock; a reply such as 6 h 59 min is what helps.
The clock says 6 h 49 min
